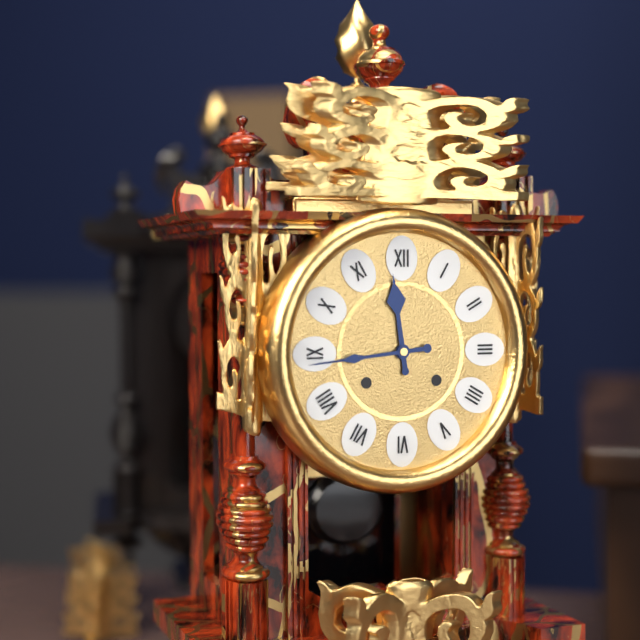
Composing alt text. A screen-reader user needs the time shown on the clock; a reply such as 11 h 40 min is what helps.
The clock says 11 h 44 min
